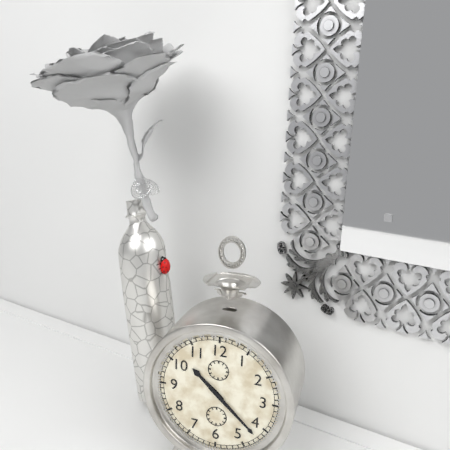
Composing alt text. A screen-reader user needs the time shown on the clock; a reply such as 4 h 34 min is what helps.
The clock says 10 h 22 min
